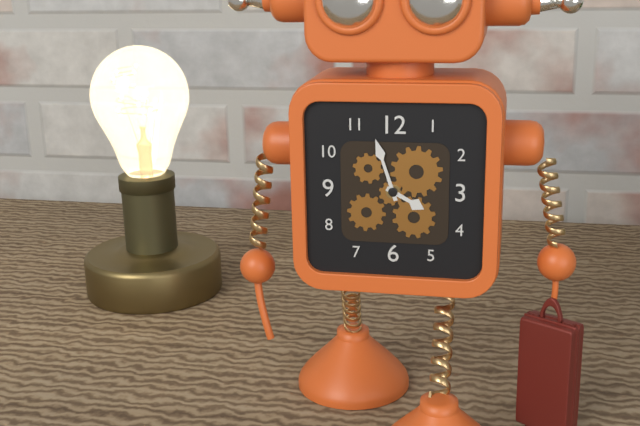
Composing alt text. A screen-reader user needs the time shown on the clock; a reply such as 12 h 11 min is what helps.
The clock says 3 h 57 min
